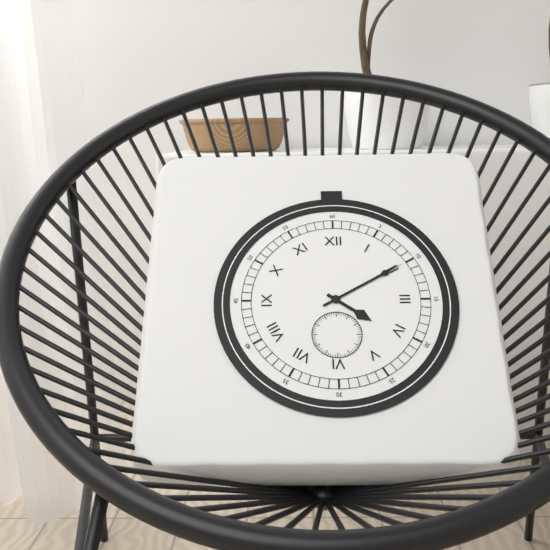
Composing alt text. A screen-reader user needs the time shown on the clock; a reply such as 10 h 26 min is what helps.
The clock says 4 h 10 min
